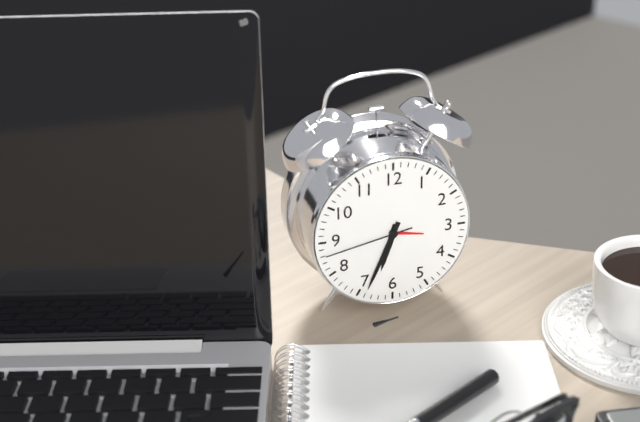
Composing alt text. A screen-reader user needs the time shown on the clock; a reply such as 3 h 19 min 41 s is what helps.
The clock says 6 h 34 min 43 s
